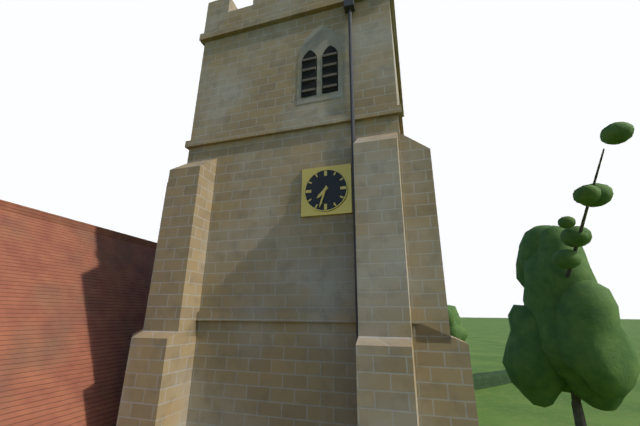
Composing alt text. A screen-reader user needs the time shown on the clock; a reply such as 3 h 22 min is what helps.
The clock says 7 h 33 min
